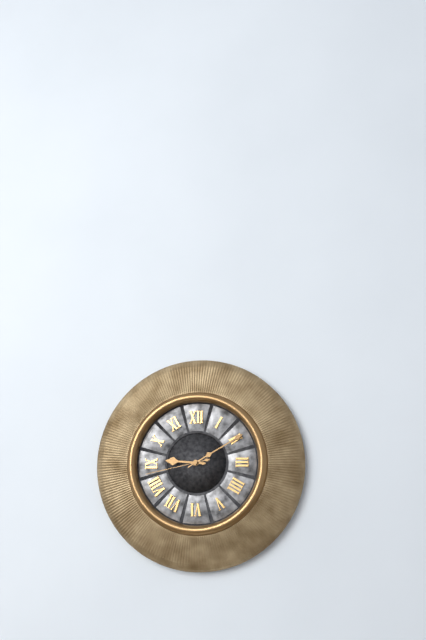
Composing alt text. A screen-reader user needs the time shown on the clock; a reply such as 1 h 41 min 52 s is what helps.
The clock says 9 h 10 min 43 s
